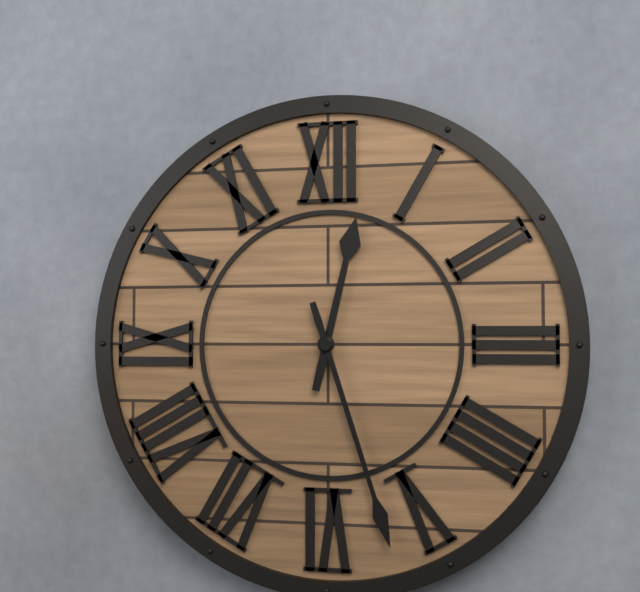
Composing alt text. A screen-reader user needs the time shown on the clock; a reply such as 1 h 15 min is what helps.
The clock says 12 h 27 min
